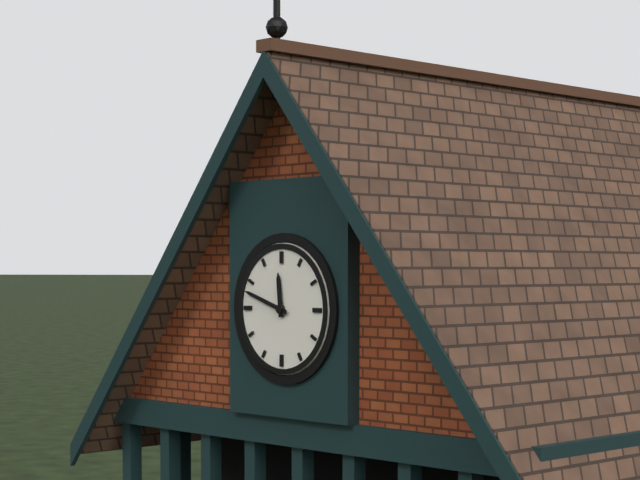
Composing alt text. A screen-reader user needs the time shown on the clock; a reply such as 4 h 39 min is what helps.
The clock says 11 h 48 min
